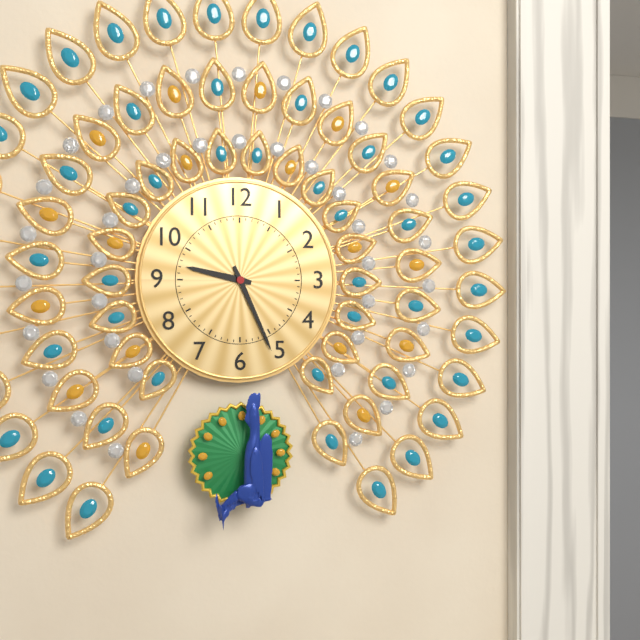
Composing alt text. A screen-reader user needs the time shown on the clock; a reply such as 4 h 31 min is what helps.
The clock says 9 h 26 min
